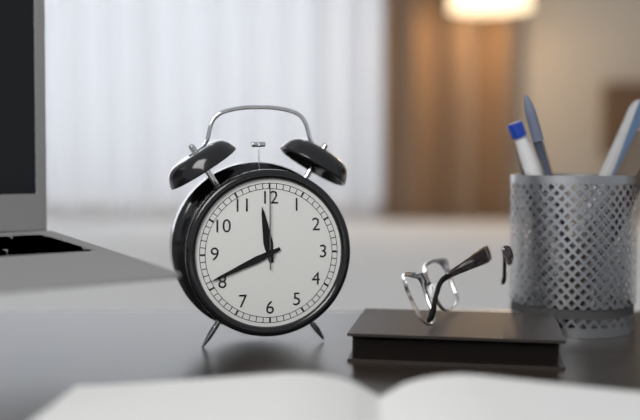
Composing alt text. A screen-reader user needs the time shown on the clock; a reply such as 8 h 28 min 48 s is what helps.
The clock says 11 h 41 min 00 s
